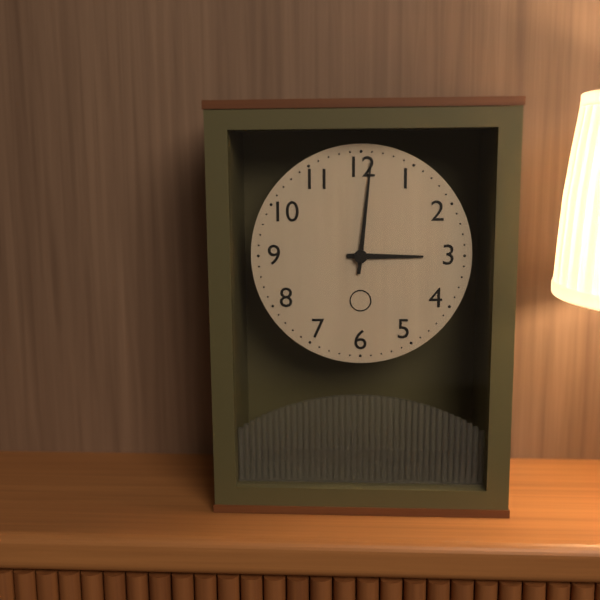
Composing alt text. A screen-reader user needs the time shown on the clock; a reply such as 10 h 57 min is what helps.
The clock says 3 h 01 min
